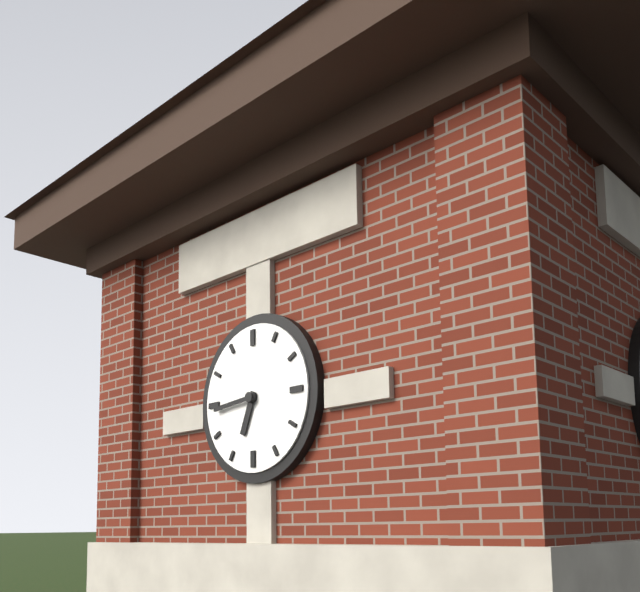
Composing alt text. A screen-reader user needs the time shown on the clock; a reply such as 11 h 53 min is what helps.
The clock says 6 h 44 min
